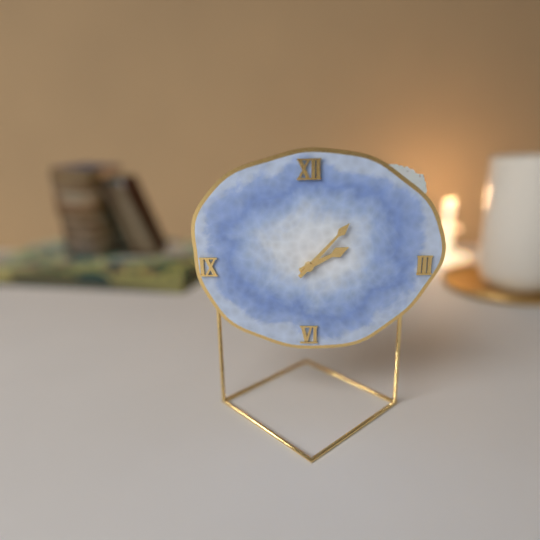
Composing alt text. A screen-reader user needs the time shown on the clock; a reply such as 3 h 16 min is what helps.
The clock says 2 h 07 min
